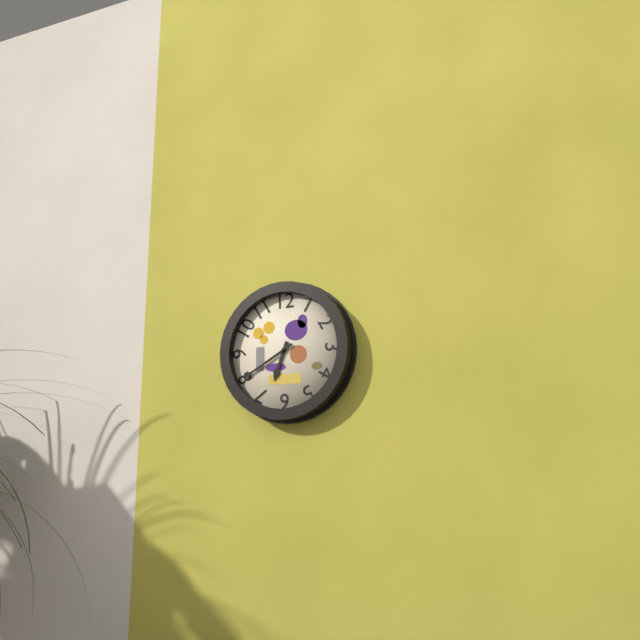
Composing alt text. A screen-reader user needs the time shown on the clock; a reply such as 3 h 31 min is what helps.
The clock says 6 h 40 min
